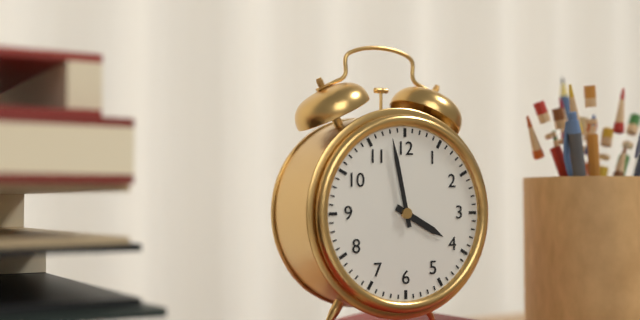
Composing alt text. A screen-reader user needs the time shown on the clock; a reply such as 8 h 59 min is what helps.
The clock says 3 h 58 min
